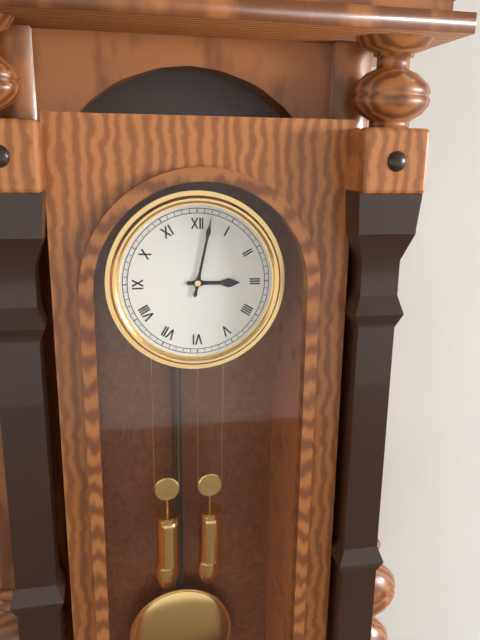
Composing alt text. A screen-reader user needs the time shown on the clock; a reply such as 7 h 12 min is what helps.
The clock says 3 h 02 min
